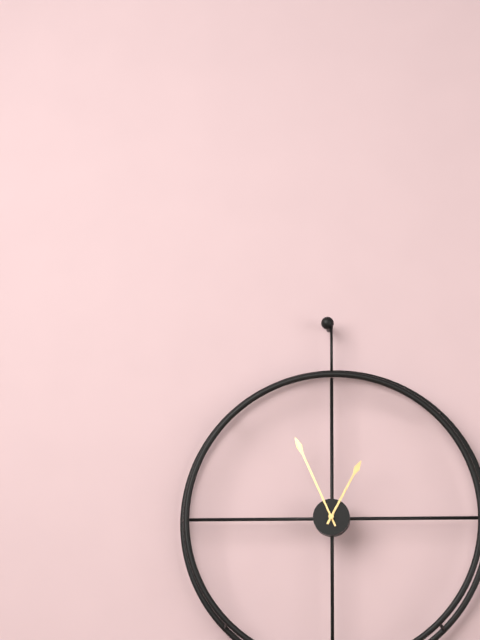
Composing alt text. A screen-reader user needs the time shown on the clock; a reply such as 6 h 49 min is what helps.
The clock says 12 h 56 min
